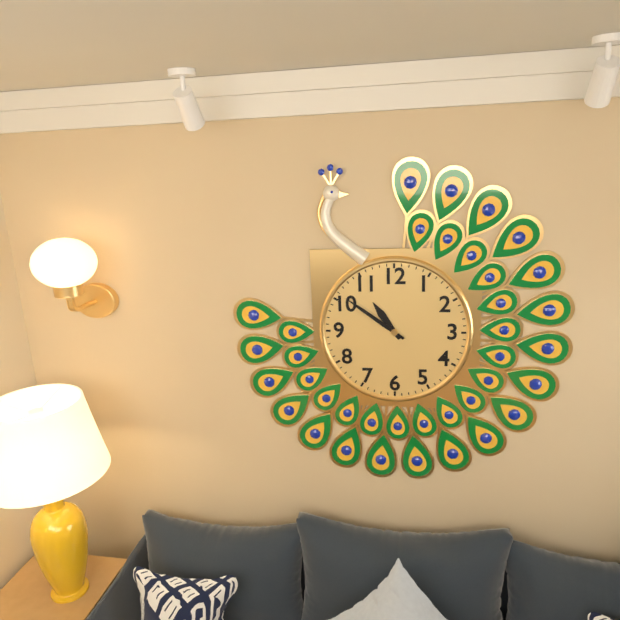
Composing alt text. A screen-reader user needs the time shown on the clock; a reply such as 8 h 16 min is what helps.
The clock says 10 h 51 min
